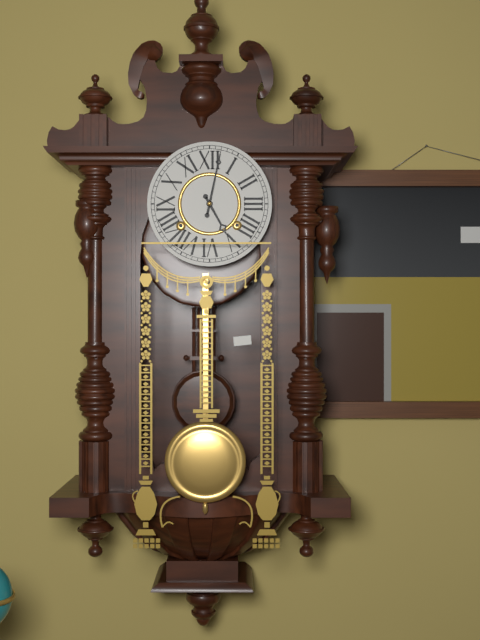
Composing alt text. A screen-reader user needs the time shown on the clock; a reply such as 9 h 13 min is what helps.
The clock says 5 h 02 min
